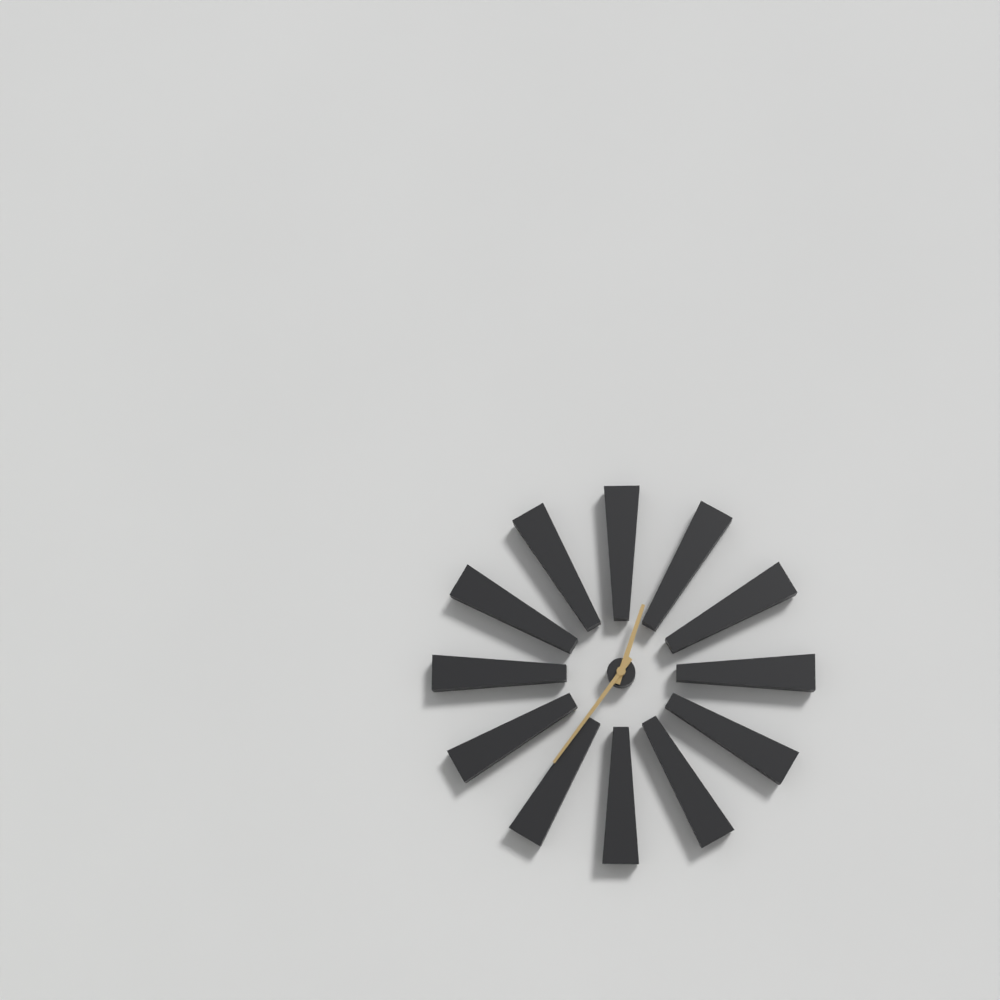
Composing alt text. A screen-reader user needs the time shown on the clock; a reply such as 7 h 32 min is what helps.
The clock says 12 h 36 min
